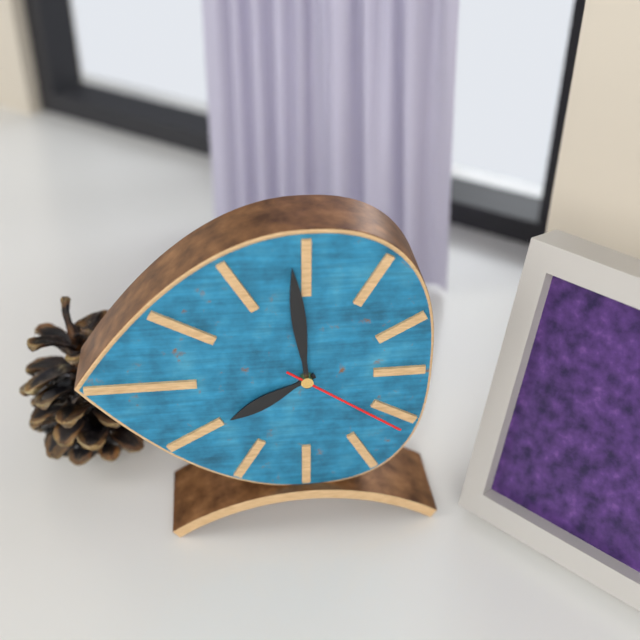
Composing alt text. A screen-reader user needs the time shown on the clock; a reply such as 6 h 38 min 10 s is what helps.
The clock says 7 h 59 min 21 s
